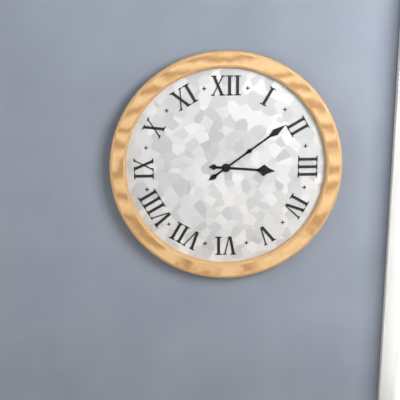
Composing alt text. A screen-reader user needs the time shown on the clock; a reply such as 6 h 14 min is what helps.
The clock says 3 h 09 min
